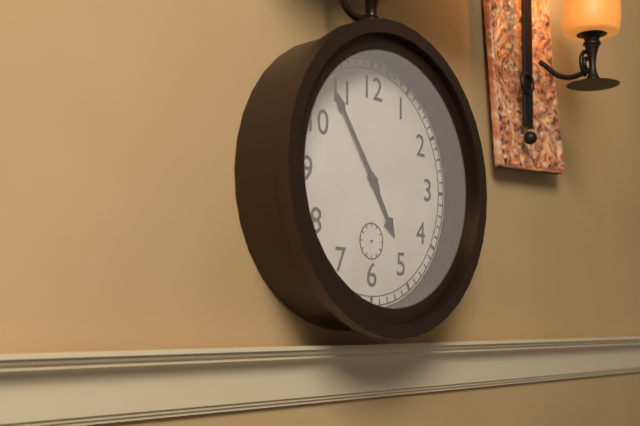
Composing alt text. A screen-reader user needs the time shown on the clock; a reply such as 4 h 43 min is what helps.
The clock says 4 h 54 min
